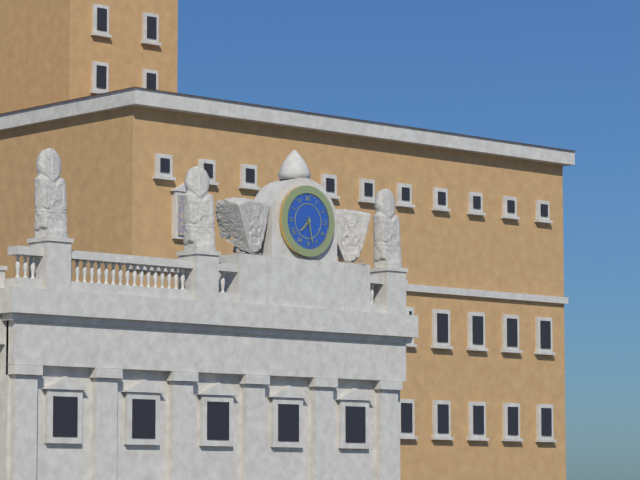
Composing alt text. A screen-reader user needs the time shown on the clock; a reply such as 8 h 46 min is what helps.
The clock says 7 h 28 min
